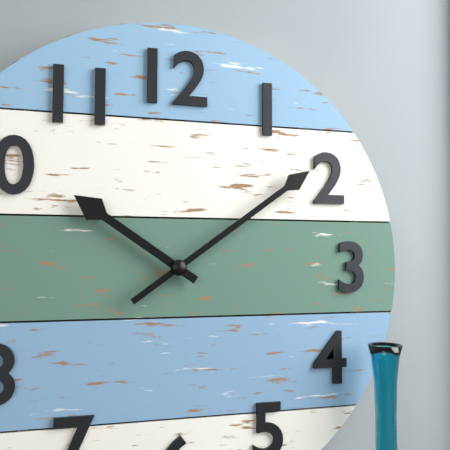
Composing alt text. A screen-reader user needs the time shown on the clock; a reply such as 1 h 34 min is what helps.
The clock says 10 h 09 min
